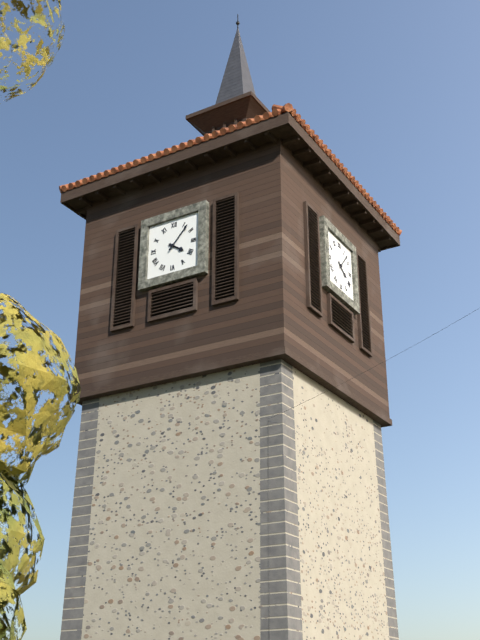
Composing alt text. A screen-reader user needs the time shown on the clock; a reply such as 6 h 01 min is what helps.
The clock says 4 h 07 min
